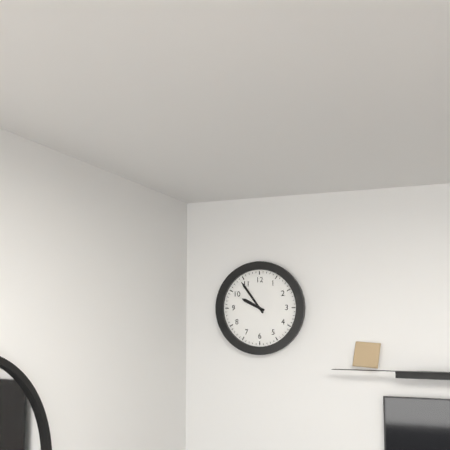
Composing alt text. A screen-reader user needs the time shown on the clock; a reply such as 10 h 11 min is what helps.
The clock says 9 h 54 min
